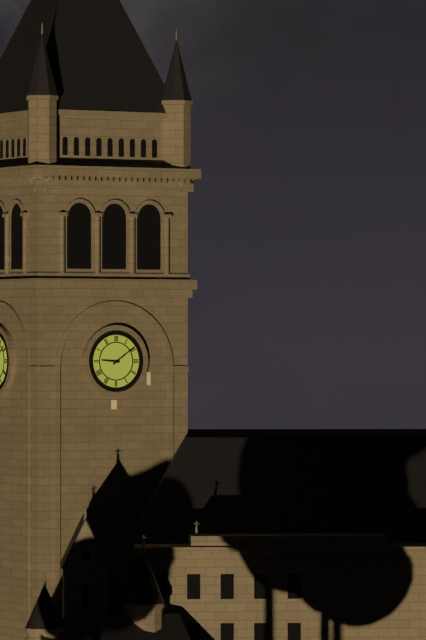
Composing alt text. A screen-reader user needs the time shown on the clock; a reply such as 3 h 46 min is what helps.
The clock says 9 h 09 min
